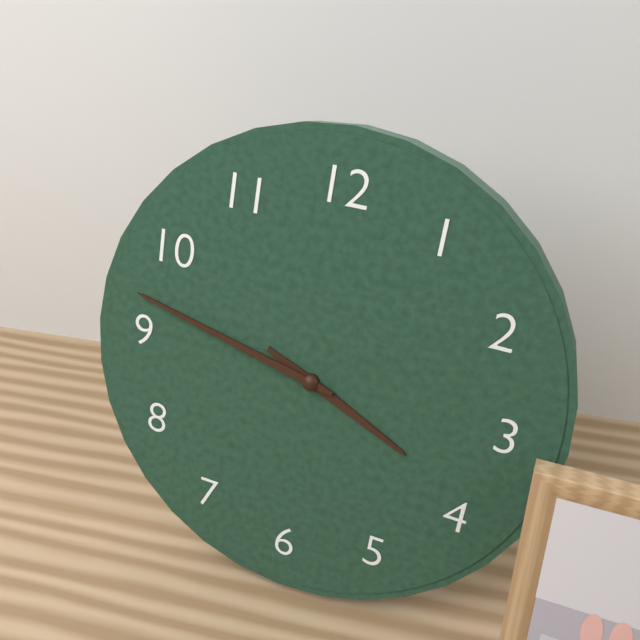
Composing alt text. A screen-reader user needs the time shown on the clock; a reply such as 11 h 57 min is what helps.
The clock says 3 h 47 min
